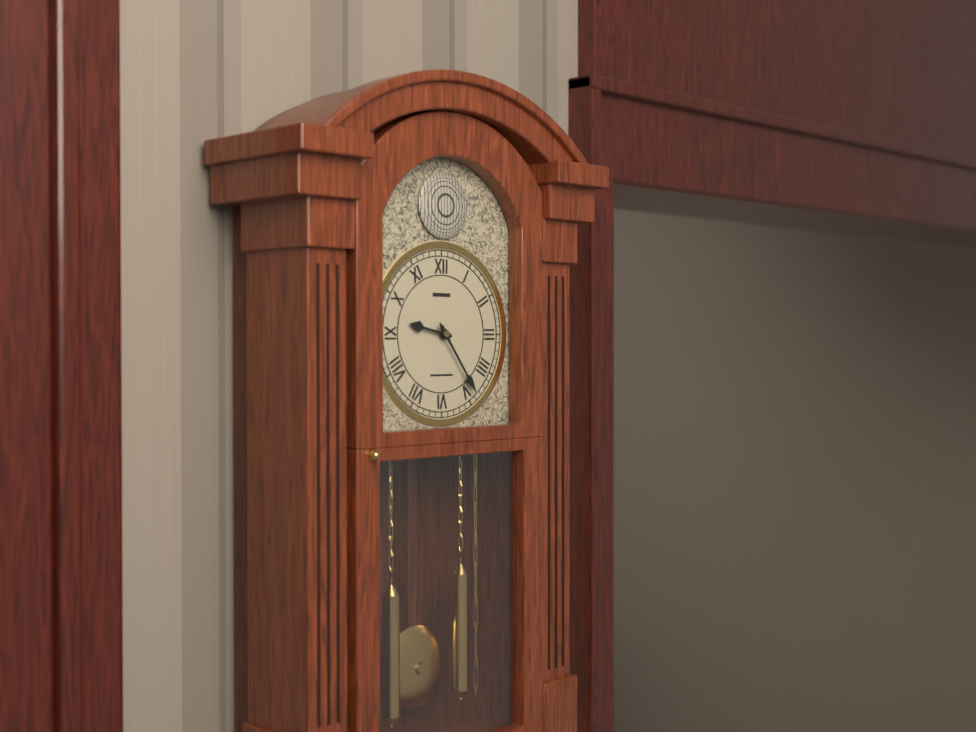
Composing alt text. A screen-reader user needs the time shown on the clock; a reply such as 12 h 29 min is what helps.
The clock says 9 h 24 min
